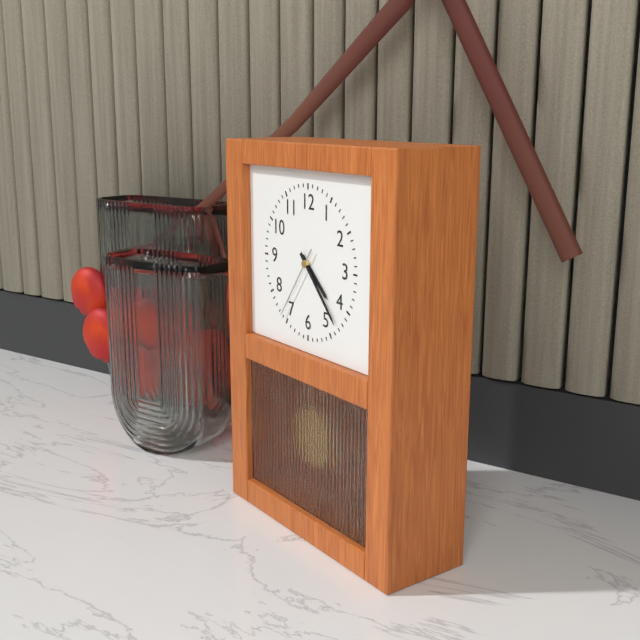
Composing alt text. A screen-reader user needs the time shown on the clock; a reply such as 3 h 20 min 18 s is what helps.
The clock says 4 h 23 min 36 s
